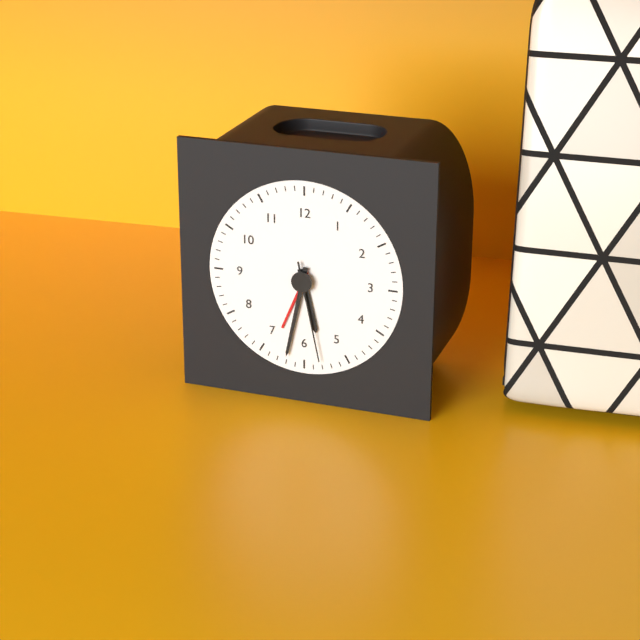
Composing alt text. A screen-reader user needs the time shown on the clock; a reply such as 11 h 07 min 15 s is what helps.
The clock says 5 h 32 min 28 s
